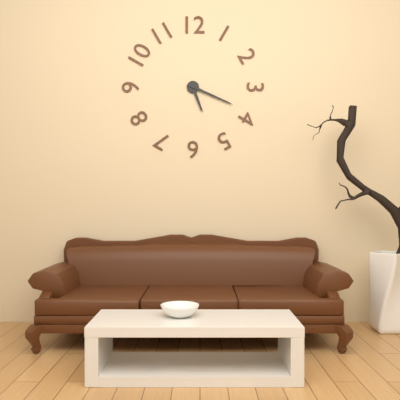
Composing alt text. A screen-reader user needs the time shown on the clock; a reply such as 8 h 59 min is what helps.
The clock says 5 h 19 min
